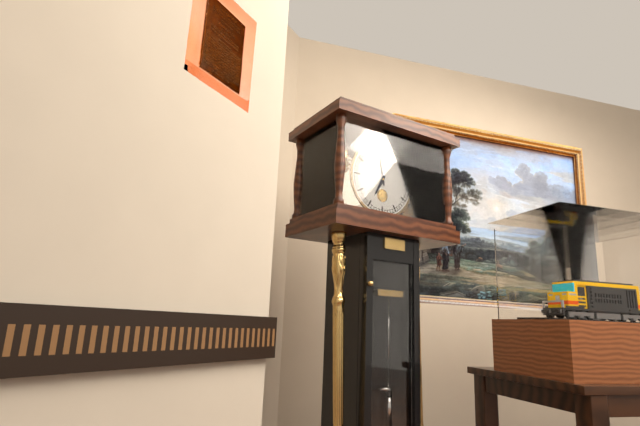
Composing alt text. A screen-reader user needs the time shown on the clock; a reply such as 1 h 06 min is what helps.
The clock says 6 h 58 min
